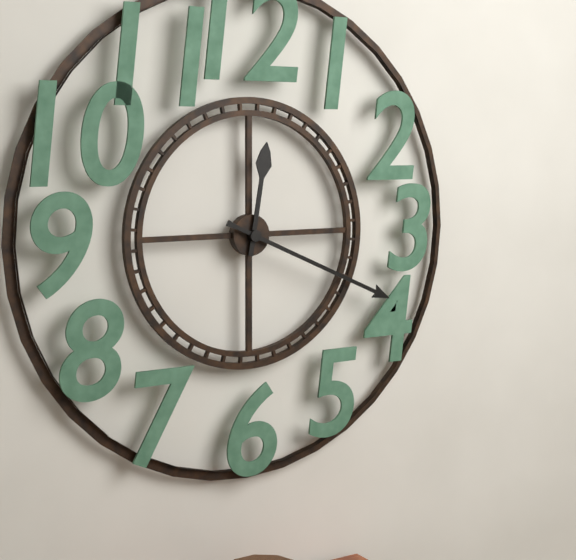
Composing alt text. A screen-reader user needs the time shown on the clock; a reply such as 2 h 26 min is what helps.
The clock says 12 h 19 min
